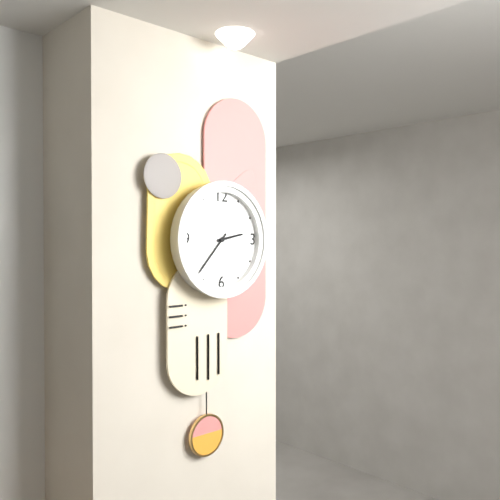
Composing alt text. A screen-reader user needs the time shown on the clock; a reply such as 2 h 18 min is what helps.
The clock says 2 h 37 min
